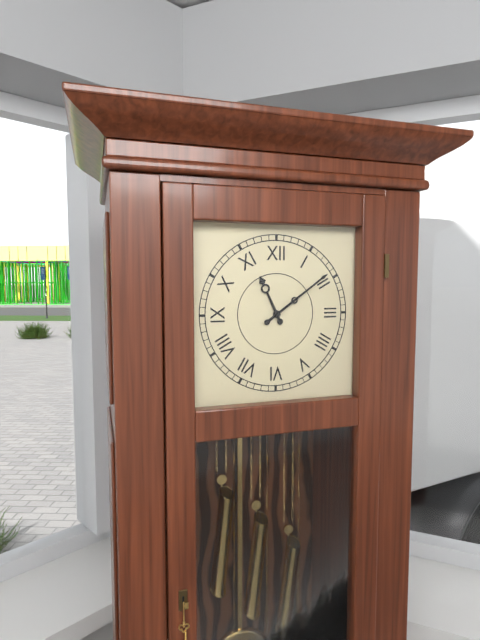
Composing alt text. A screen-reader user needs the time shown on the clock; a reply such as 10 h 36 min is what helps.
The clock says 11 h 09 min
